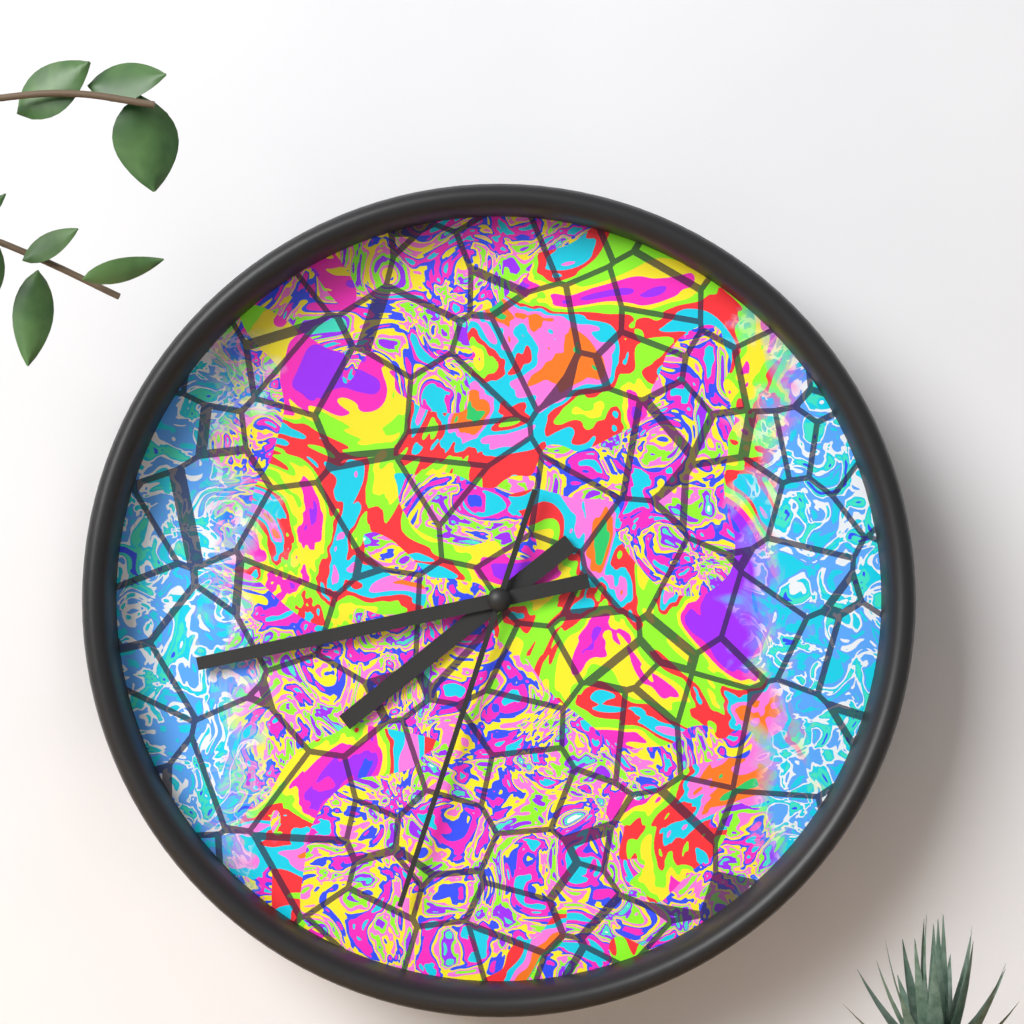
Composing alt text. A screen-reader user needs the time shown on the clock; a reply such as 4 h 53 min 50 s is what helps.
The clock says 7 h 43 min 33 s
